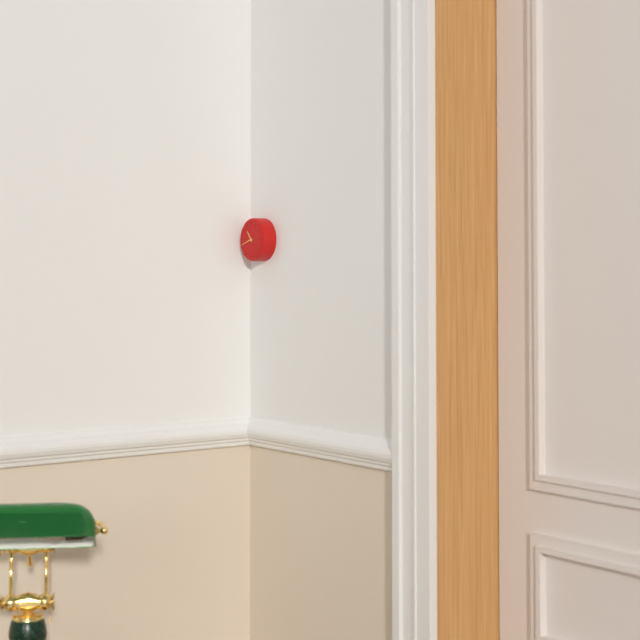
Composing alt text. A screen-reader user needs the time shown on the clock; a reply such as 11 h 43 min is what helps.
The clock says 10 h 42 min
